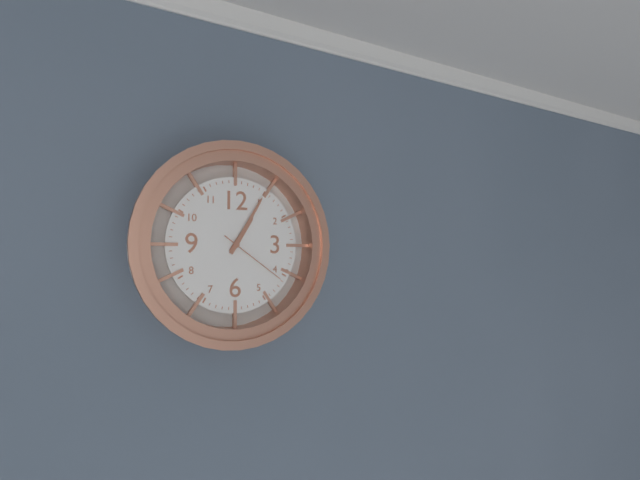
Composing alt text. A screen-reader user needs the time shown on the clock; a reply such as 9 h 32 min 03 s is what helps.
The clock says 1 h 05 min 21 s
